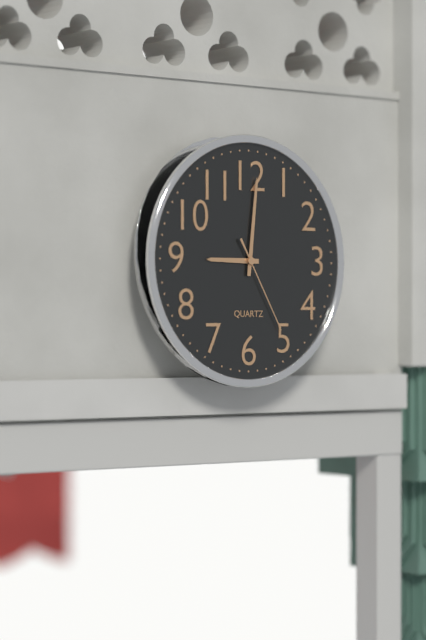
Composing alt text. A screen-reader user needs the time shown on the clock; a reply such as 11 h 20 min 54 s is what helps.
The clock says 9 h 01 min 25 s
